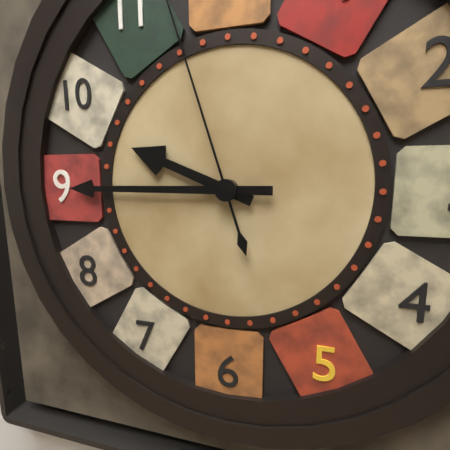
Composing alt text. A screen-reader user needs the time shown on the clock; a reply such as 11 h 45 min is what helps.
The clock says 9 h 45 min
